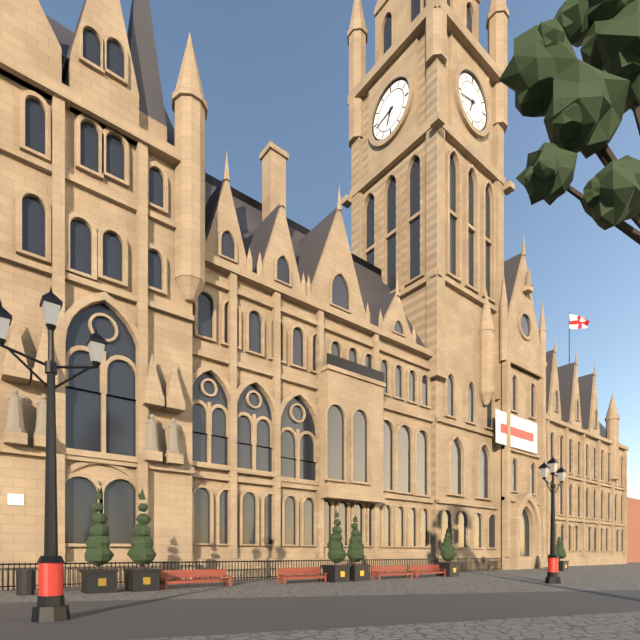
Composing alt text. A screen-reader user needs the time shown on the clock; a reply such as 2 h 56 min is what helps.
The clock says 6 h 43 min
